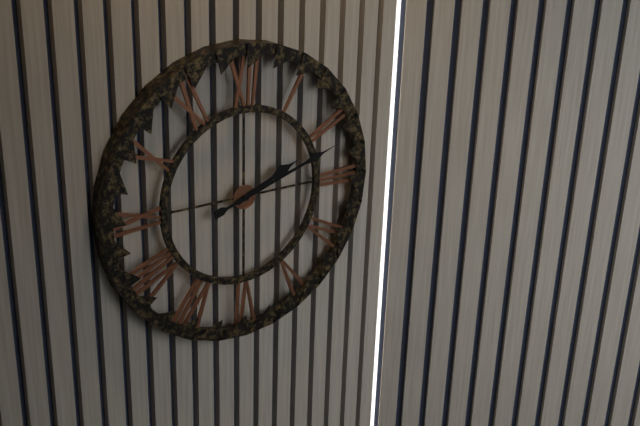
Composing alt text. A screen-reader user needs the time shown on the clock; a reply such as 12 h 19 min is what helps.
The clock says 2 h 12 min
